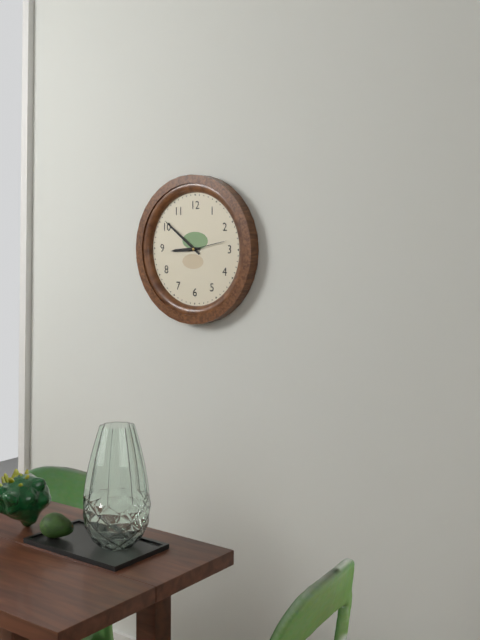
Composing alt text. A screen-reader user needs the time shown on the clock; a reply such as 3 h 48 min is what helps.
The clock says 8 h 51 min
